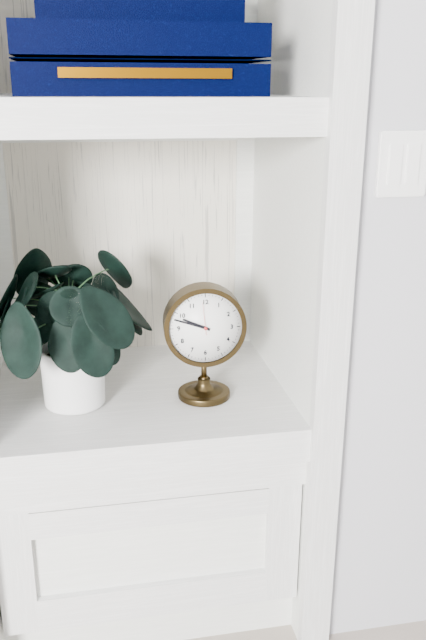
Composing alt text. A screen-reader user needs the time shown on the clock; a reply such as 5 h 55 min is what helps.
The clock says 9 h 48 min
